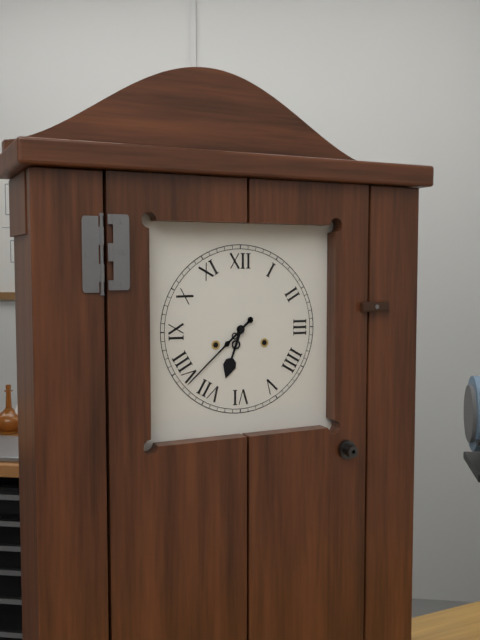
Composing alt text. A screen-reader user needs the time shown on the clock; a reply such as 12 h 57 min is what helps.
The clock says 6 h 38 min
